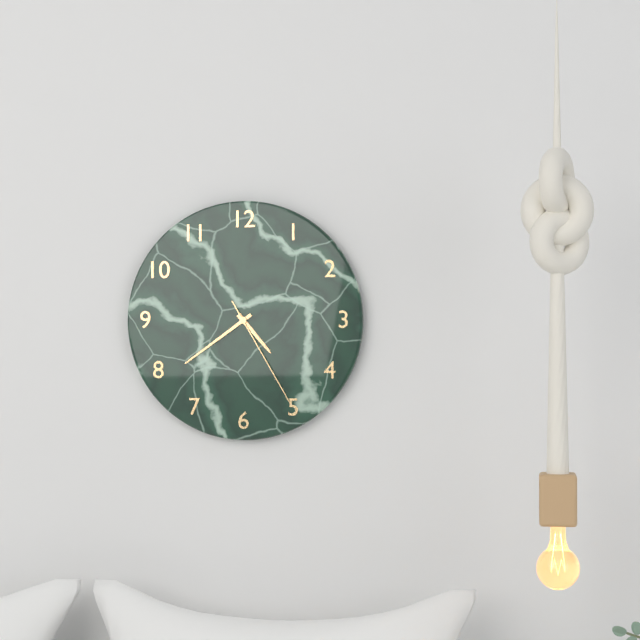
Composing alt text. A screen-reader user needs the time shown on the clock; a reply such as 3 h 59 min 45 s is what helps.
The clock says 4 h 39 min 25 s
